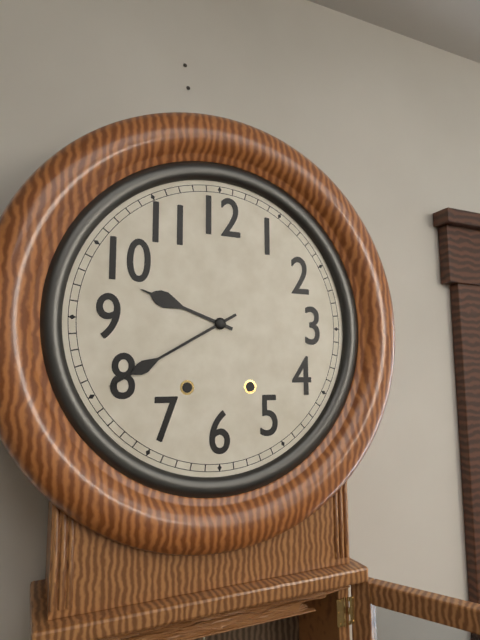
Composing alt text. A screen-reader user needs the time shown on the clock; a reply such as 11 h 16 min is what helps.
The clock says 9 h 40 min
